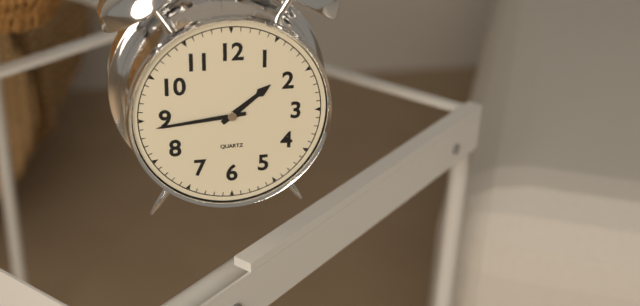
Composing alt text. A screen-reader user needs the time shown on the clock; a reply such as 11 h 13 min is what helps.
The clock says 1 h 44 min
